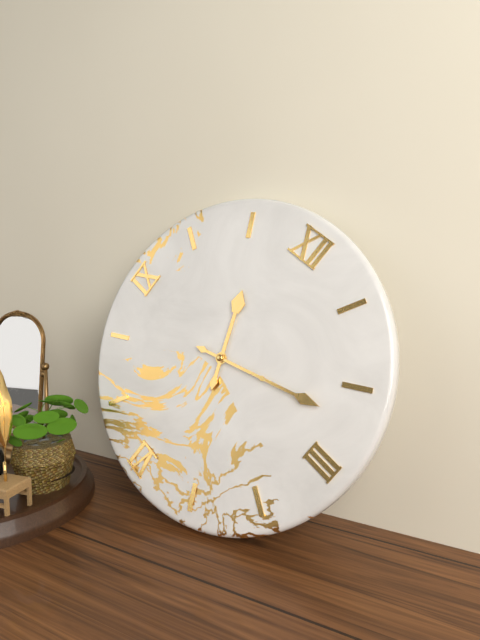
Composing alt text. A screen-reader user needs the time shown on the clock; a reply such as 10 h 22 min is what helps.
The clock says 11 h 12 min
